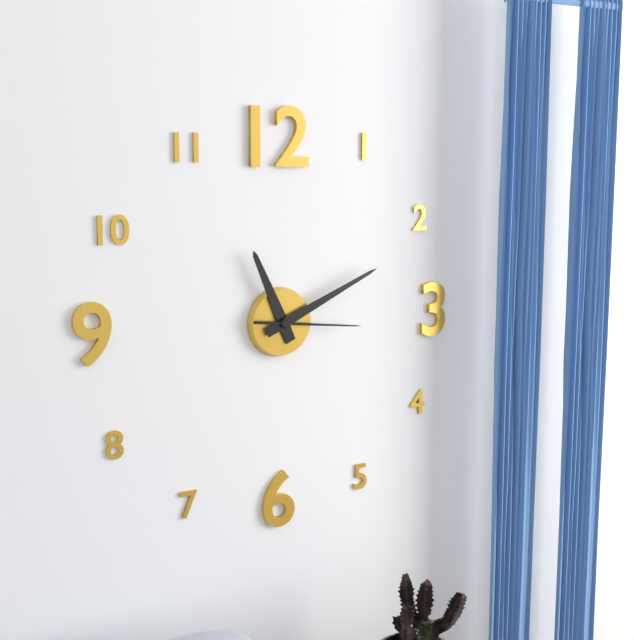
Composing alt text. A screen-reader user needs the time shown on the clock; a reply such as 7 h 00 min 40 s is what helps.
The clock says 11 h 11 min 16 s
